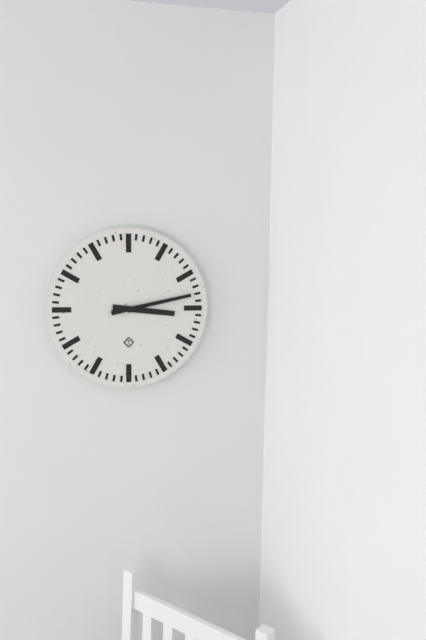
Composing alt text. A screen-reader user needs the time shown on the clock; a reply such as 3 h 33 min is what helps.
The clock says 3 h 13 min
